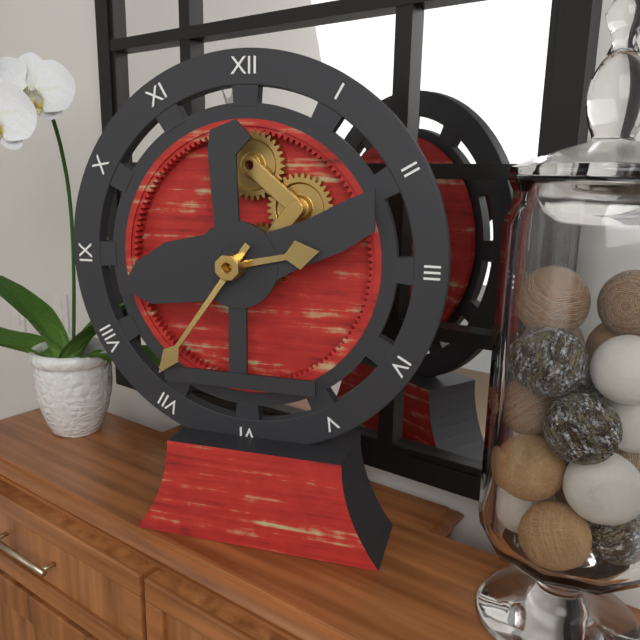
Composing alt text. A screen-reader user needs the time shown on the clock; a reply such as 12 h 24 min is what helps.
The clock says 2 h 36 min
